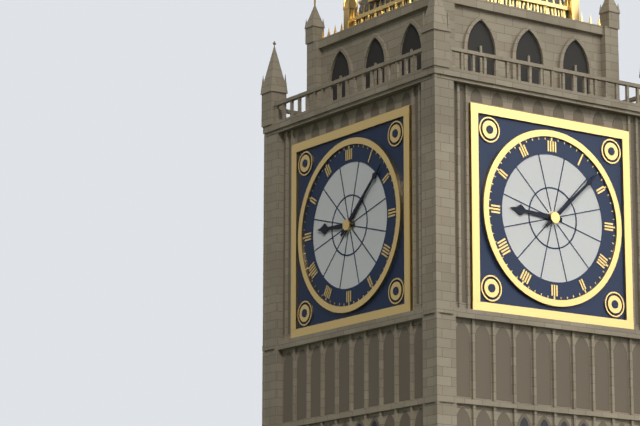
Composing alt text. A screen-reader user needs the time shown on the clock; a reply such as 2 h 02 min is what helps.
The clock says 9 h 08 min
